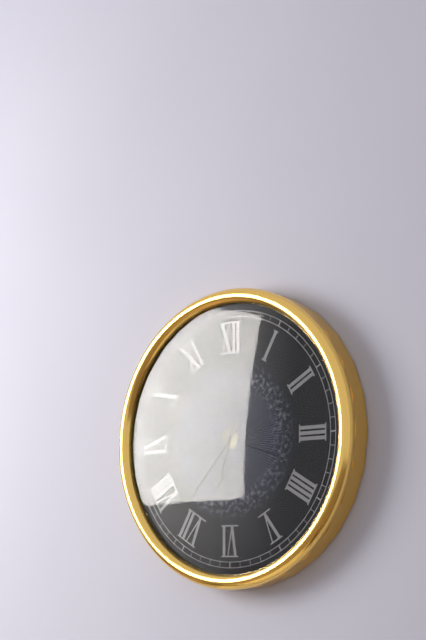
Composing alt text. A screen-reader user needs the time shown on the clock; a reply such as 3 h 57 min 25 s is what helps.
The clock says 6 h 37 min 18 s
